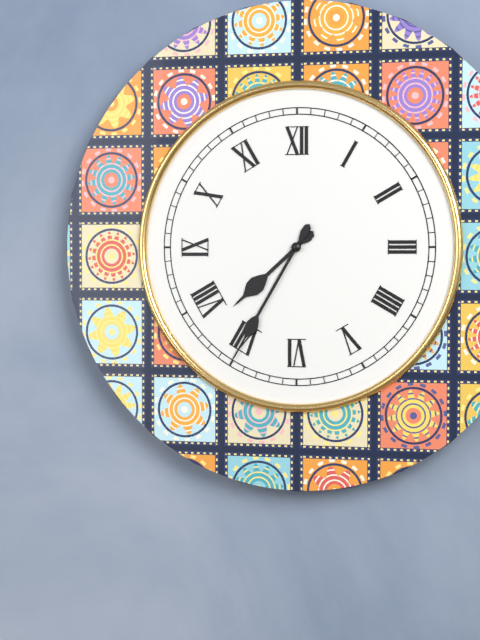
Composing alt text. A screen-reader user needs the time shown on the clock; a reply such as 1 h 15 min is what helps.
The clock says 7 h 35 min
